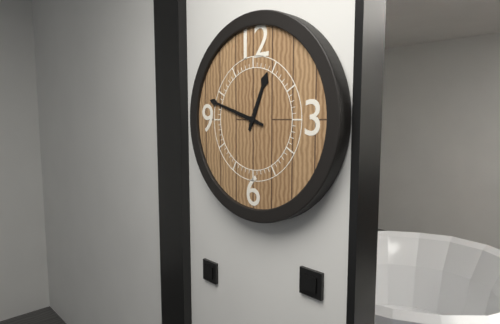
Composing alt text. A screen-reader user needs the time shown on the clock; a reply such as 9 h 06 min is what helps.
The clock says 12 h 48 min
